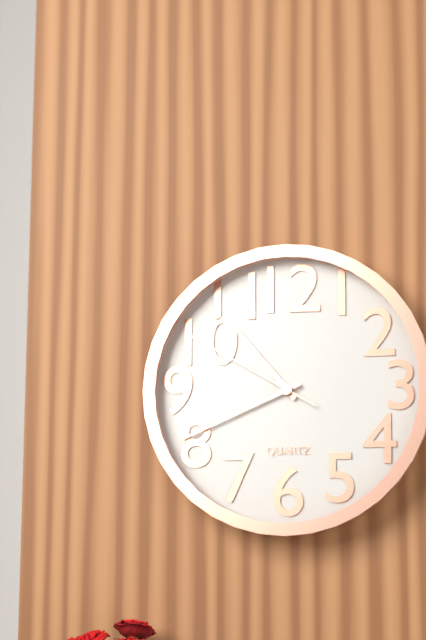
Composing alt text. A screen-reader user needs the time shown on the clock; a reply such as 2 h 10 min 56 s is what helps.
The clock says 10 h 41 min 50 s
